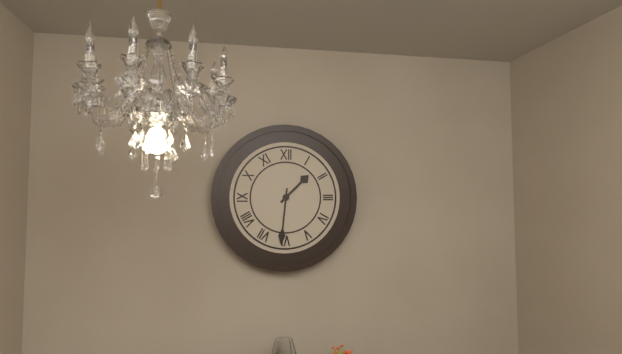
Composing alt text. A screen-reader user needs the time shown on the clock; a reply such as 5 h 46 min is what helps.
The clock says 1 h 31 min
